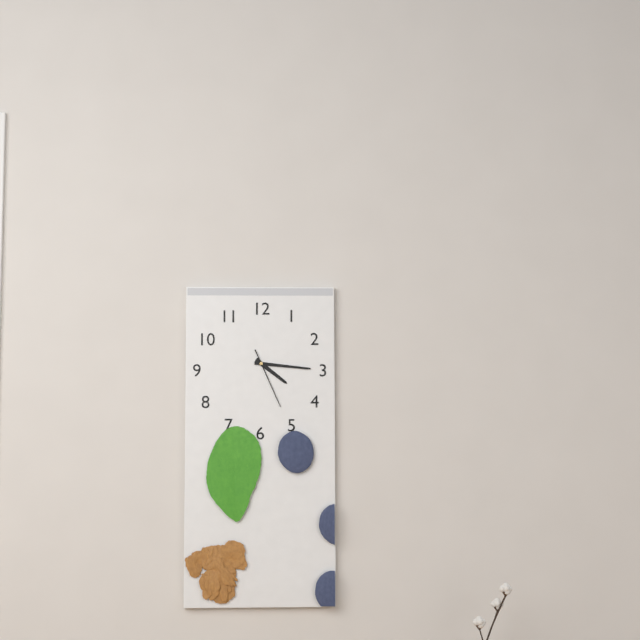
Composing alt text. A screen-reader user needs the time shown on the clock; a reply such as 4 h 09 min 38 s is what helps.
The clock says 4 h 16 min 26 s
